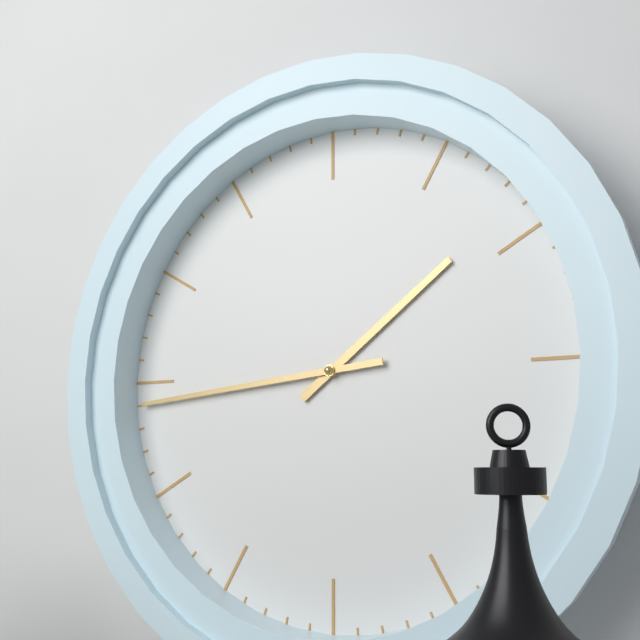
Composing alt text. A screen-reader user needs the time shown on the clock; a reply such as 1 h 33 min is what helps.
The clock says 1 h 44 min
